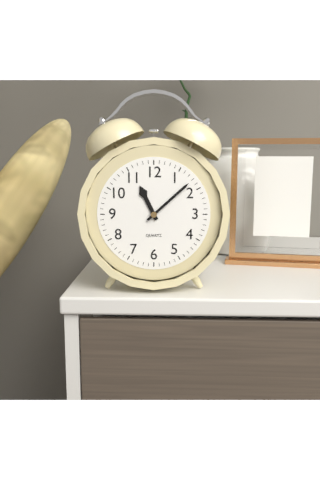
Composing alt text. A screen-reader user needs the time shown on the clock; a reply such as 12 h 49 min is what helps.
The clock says 11 h 08 min
